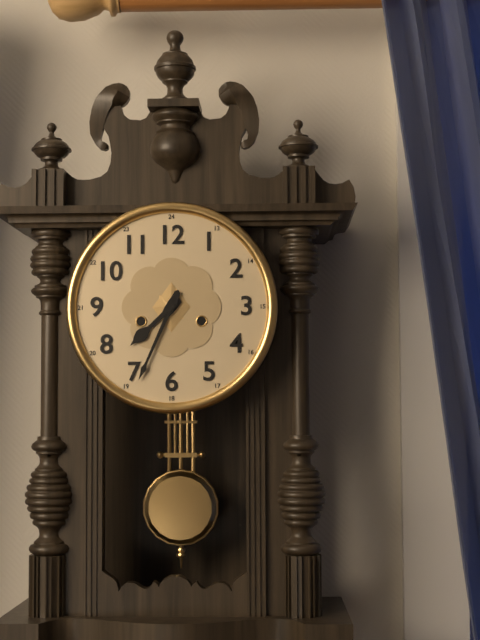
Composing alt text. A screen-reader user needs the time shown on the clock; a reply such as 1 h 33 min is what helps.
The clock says 7 h 34 min
